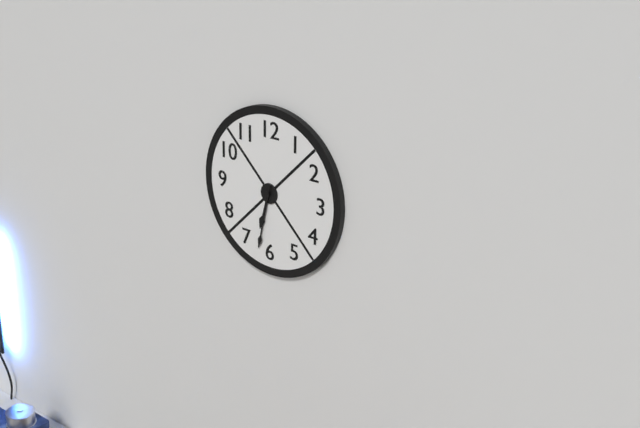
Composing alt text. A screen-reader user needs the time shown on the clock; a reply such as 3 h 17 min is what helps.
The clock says 6 h 32 min
